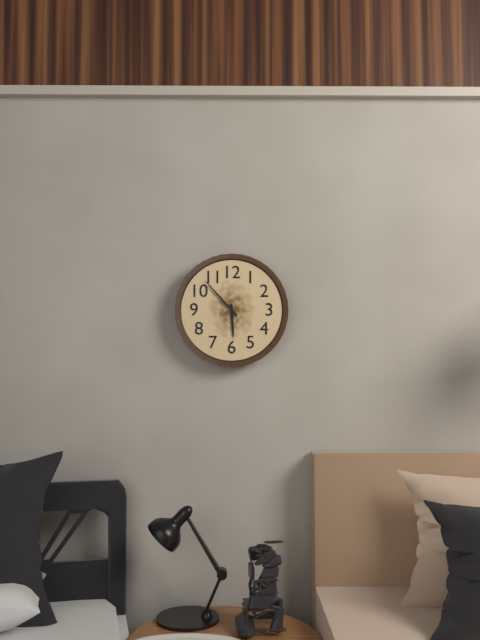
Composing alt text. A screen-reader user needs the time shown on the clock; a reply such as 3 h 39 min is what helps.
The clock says 5 h 53 min
